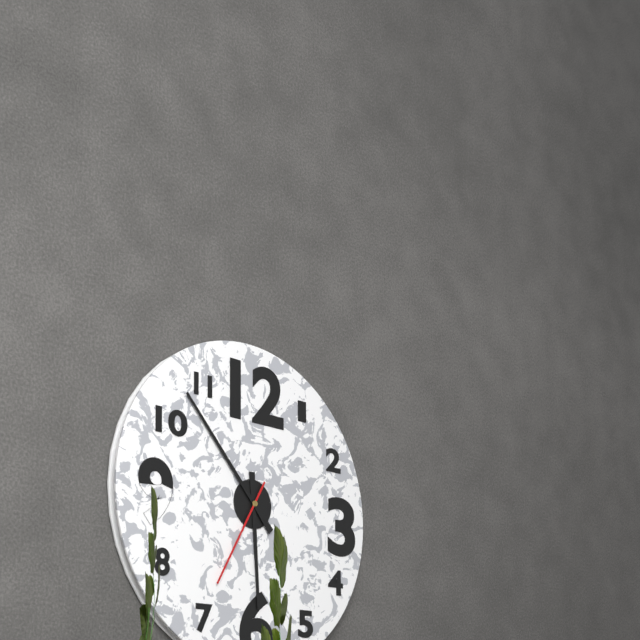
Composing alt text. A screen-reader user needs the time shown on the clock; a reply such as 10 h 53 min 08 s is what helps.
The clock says 5 h 53 min 35 s
